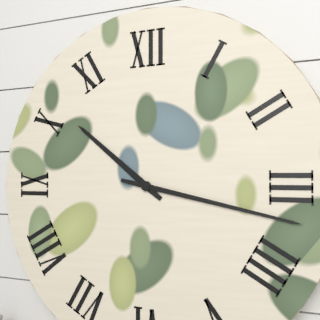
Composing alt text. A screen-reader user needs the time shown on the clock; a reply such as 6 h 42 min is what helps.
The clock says 10 h 17 min
